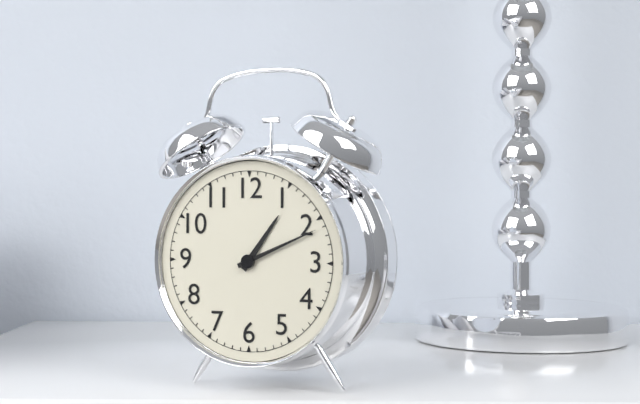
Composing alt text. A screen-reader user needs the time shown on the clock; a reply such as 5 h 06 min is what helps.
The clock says 1 h 11 min
